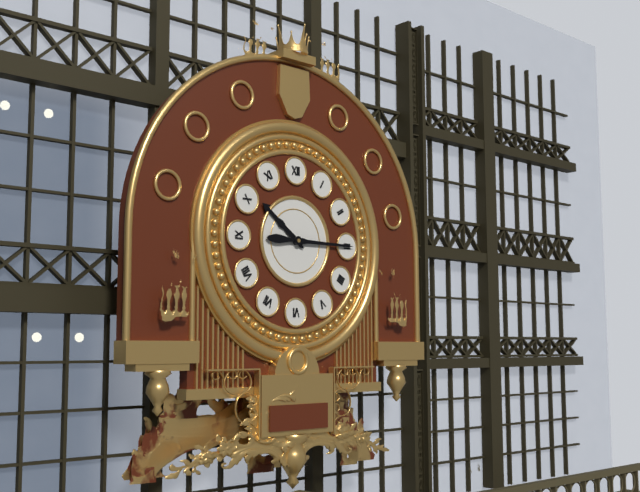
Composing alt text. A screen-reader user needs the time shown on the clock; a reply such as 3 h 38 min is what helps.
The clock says 10 h 15 min
